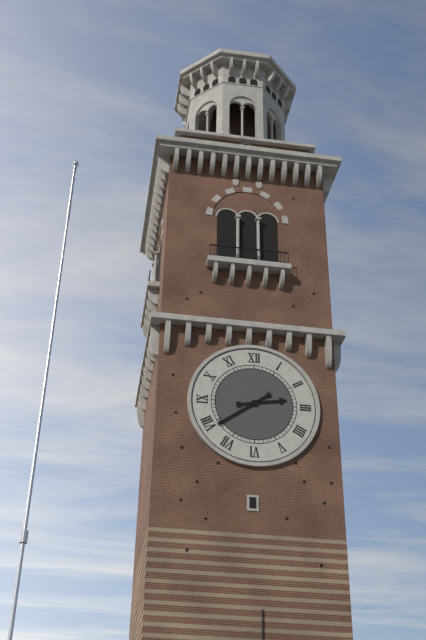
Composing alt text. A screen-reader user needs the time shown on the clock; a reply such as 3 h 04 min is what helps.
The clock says 2 h 39 min
